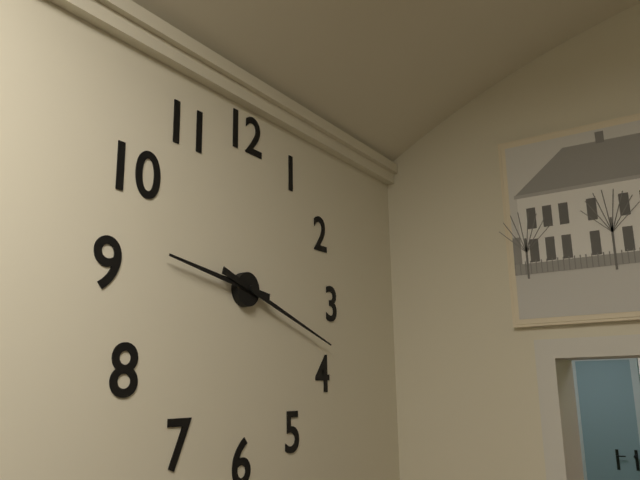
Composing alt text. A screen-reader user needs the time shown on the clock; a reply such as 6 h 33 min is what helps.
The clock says 9 h 18 min
